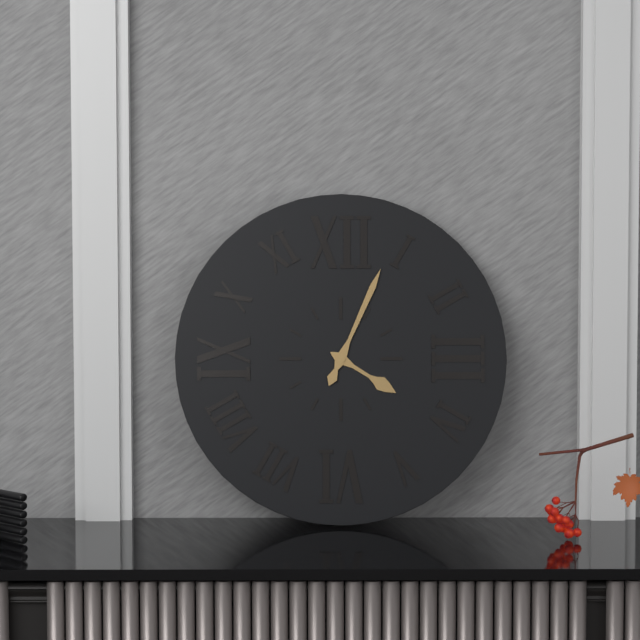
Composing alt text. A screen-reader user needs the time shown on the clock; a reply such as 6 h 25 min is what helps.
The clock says 4 h 04 min
